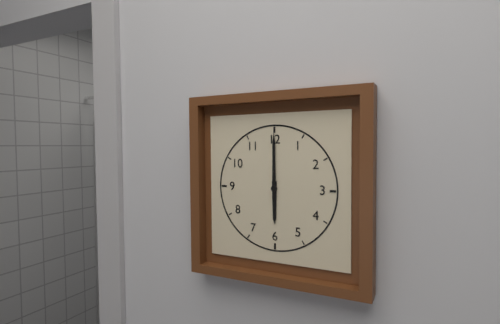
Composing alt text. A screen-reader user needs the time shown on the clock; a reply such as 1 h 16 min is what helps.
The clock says 6 h 00 min
